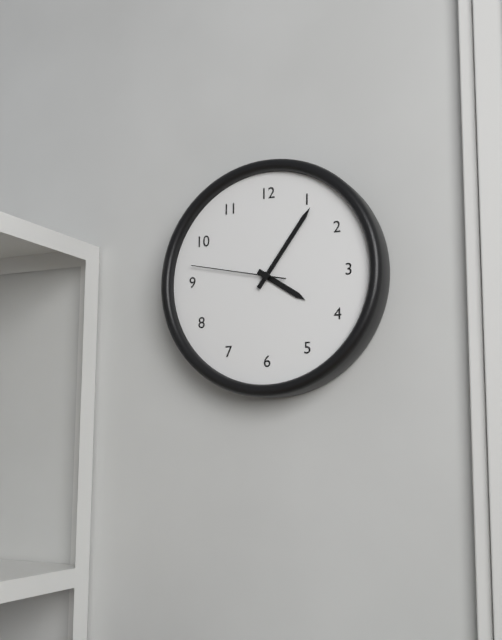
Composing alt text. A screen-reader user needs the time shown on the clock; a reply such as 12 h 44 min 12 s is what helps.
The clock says 4 h 06 min 47 s
